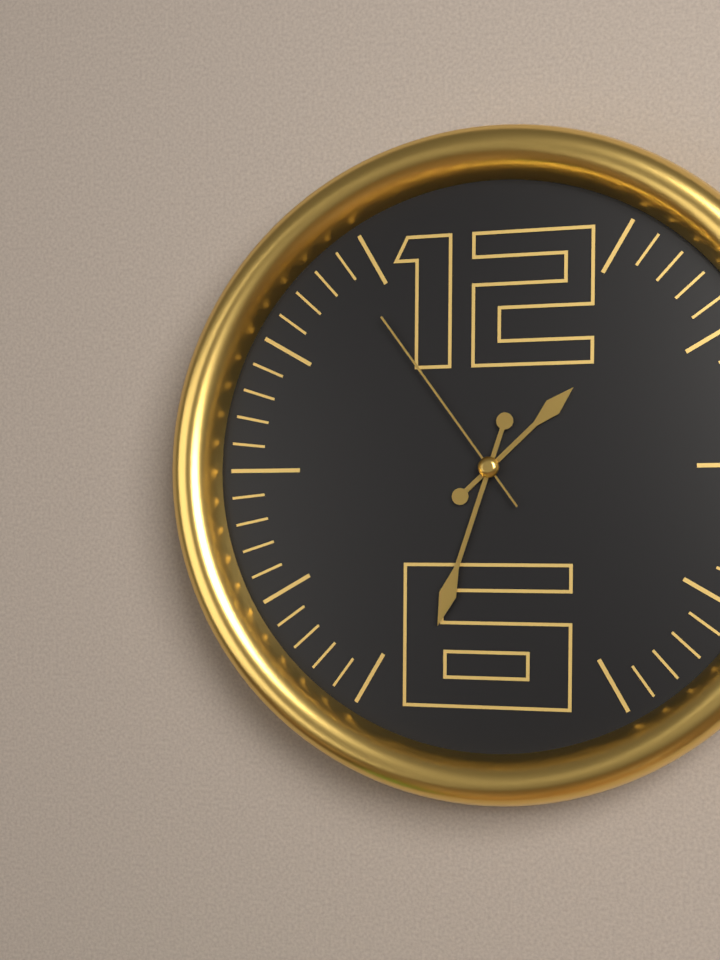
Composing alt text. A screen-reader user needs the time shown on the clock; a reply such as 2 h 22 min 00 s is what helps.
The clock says 1 h 33 min 54 s
